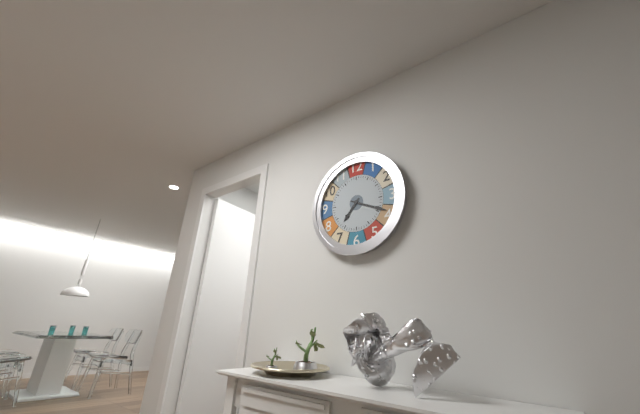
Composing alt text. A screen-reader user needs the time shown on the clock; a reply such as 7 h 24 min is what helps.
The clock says 7 h 19 min
